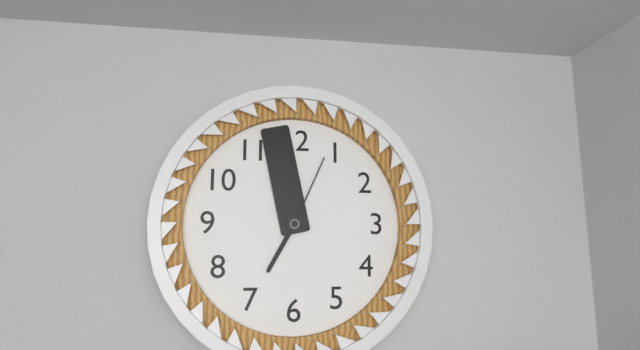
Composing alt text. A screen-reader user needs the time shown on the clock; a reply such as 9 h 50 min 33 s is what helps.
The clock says 6 h 58 min 04 s
